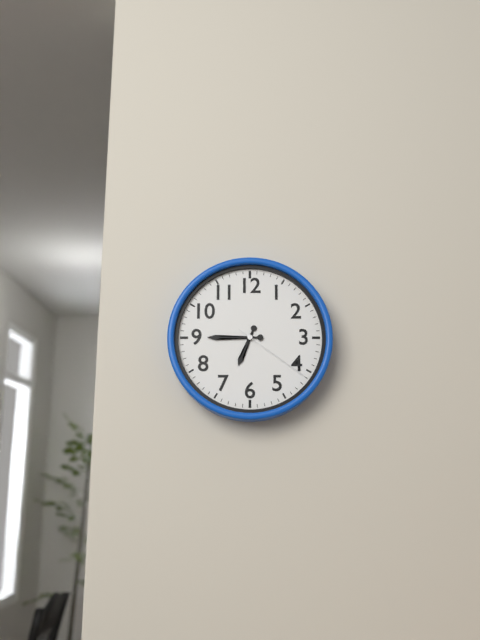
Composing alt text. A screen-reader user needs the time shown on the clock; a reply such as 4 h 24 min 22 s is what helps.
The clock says 6 h 45 min 21 s
